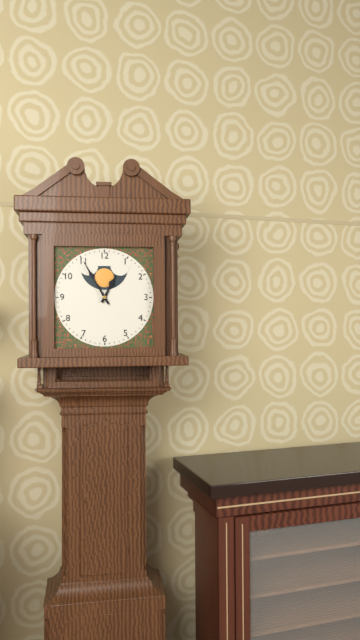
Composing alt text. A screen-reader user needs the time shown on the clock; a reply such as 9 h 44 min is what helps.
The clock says 12 h 55 min
